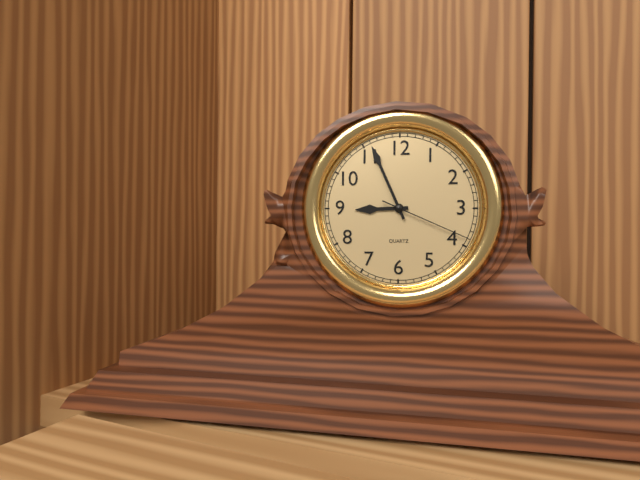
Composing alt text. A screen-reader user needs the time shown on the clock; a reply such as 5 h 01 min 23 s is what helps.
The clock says 8 h 56 min 19 s
